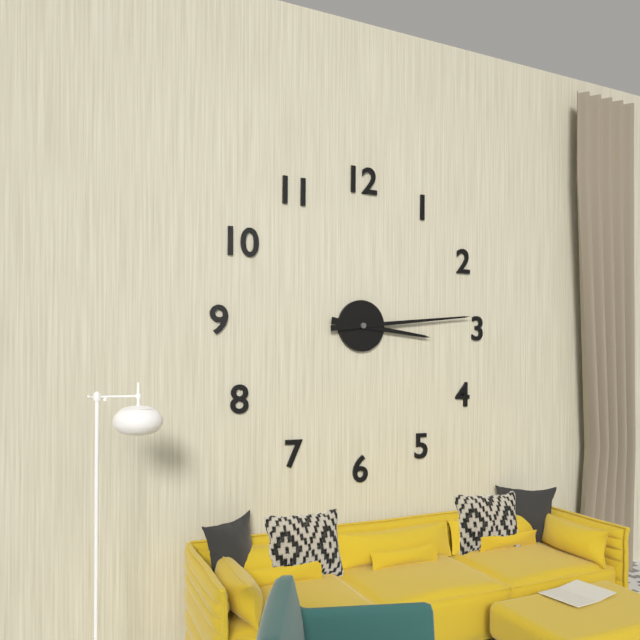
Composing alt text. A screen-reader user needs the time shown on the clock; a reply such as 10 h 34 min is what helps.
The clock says 3 h 14 min
